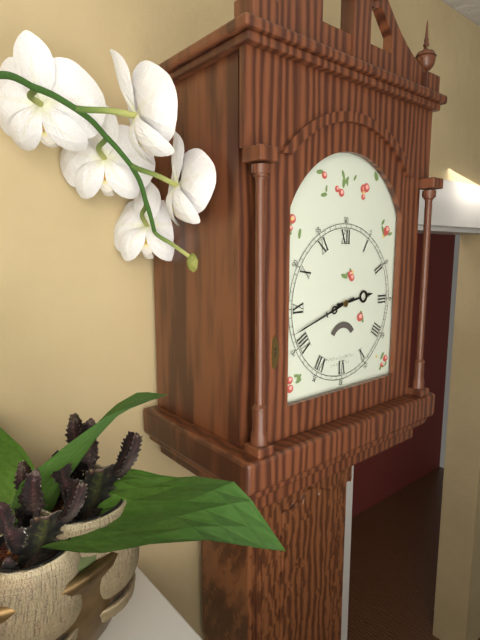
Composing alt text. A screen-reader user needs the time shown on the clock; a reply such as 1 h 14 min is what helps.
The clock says 2 h 42 min
